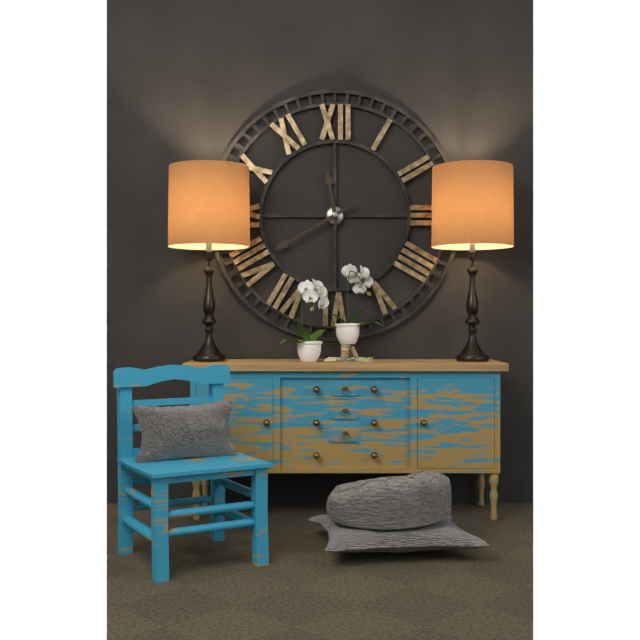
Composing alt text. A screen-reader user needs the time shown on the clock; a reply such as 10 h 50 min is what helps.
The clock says 11 h 40 min
